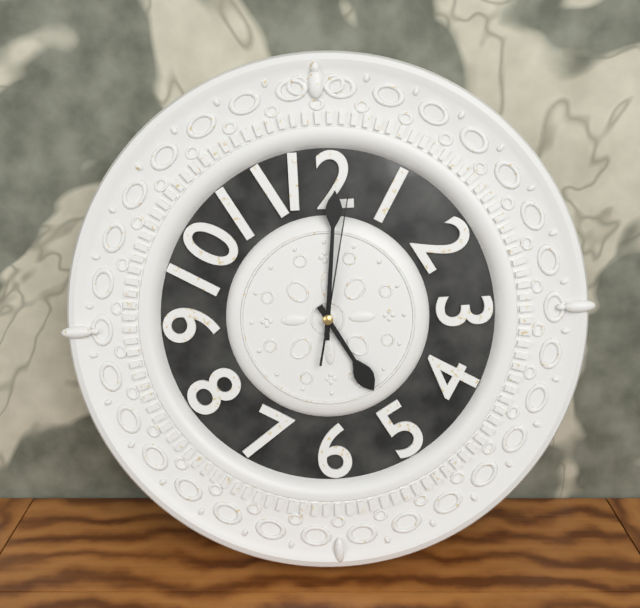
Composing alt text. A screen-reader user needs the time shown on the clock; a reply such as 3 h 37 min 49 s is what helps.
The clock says 5 h 01 min 02 s
